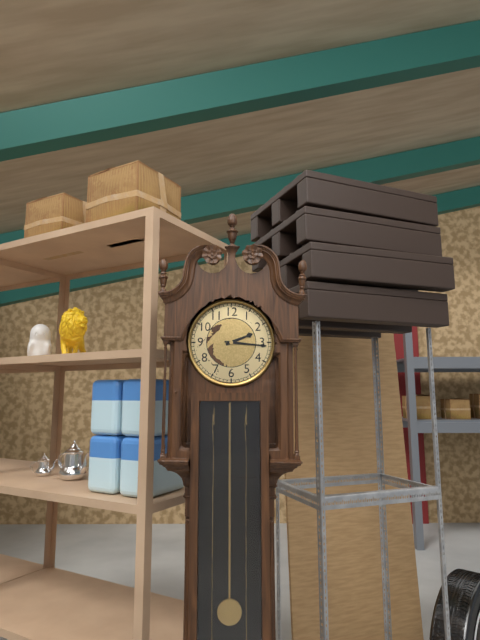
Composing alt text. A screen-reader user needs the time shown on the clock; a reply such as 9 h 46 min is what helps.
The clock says 2 h 16 min
